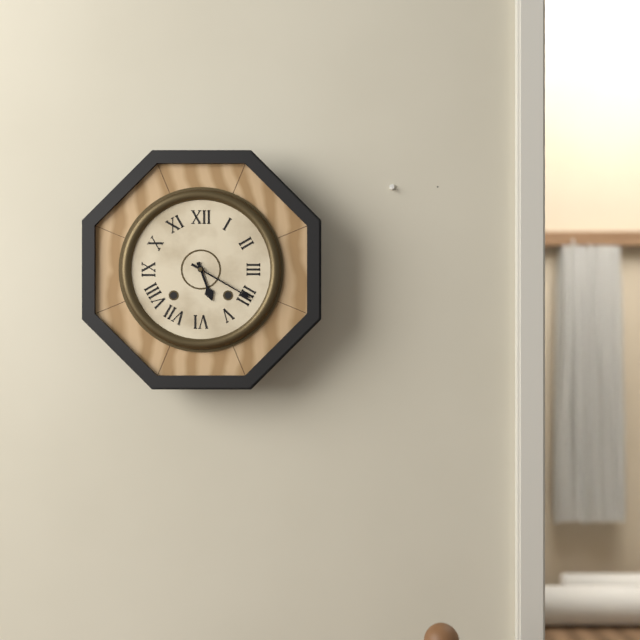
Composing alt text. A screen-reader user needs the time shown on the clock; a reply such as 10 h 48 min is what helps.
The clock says 5 h 20 min
